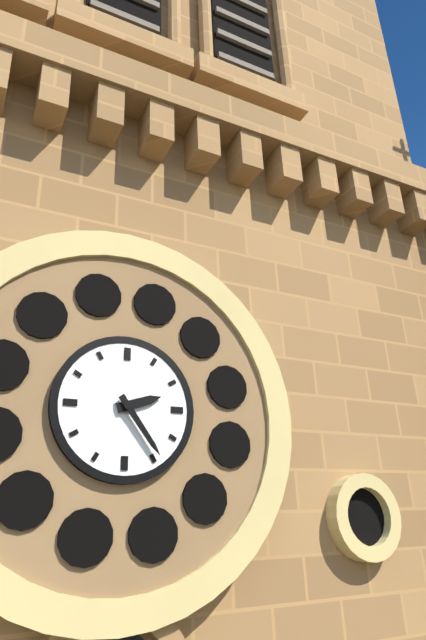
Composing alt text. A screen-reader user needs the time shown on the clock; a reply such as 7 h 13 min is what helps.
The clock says 2 h 24 min
